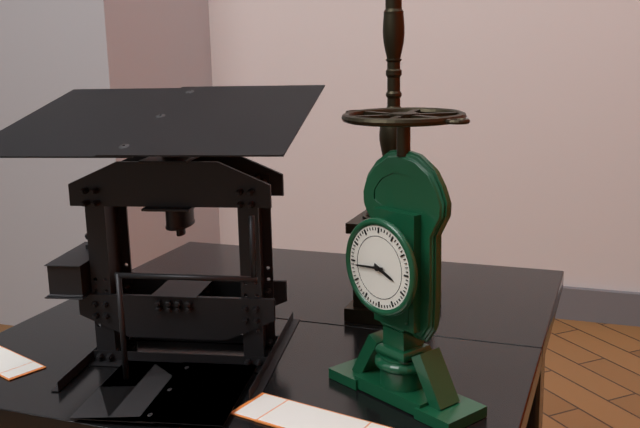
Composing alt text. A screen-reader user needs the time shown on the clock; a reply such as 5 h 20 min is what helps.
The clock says 3 h 44 min
